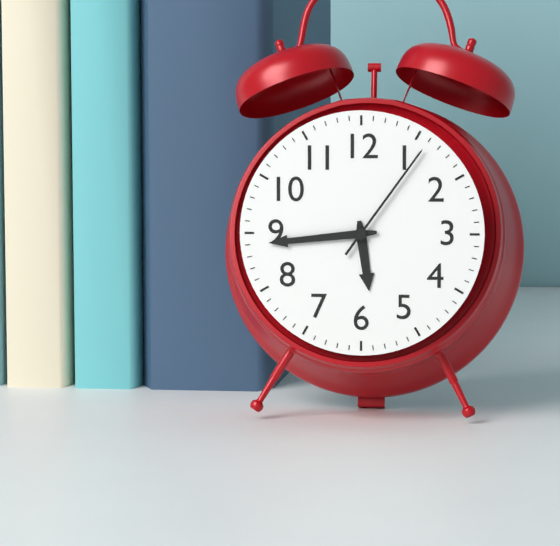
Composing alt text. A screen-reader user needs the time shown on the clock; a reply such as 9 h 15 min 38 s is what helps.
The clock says 5 h 44 min 06 s
